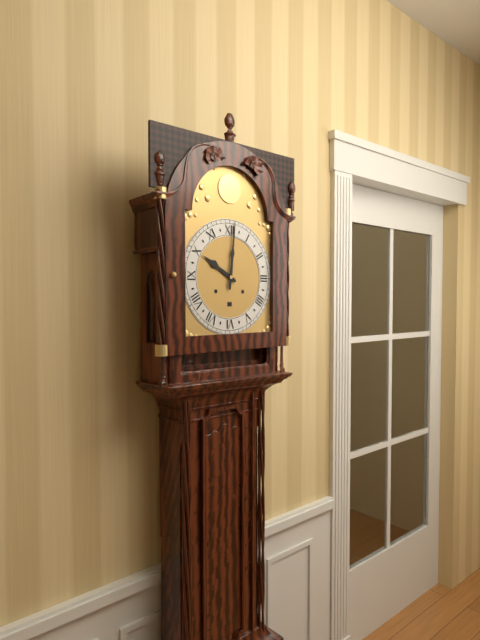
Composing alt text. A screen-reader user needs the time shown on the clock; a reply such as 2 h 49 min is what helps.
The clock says 10 h 01 min
